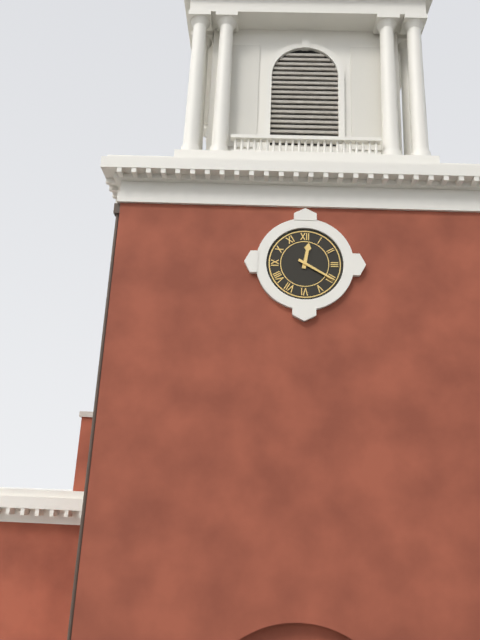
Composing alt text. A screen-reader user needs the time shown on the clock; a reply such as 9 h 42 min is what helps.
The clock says 12 h 20 min
